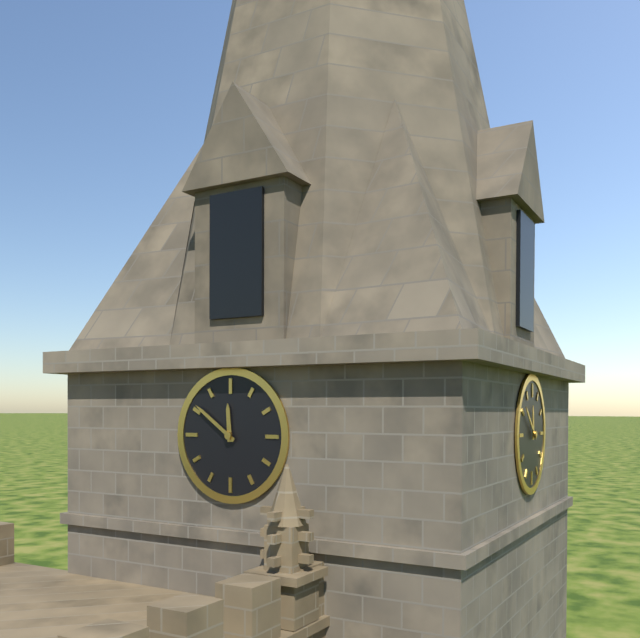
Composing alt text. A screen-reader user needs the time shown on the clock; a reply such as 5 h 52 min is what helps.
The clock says 11 h 51 min
